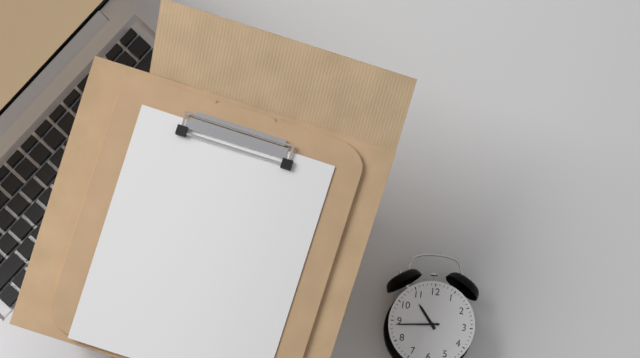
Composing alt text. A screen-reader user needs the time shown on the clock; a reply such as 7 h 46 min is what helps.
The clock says 10 h 44 min
